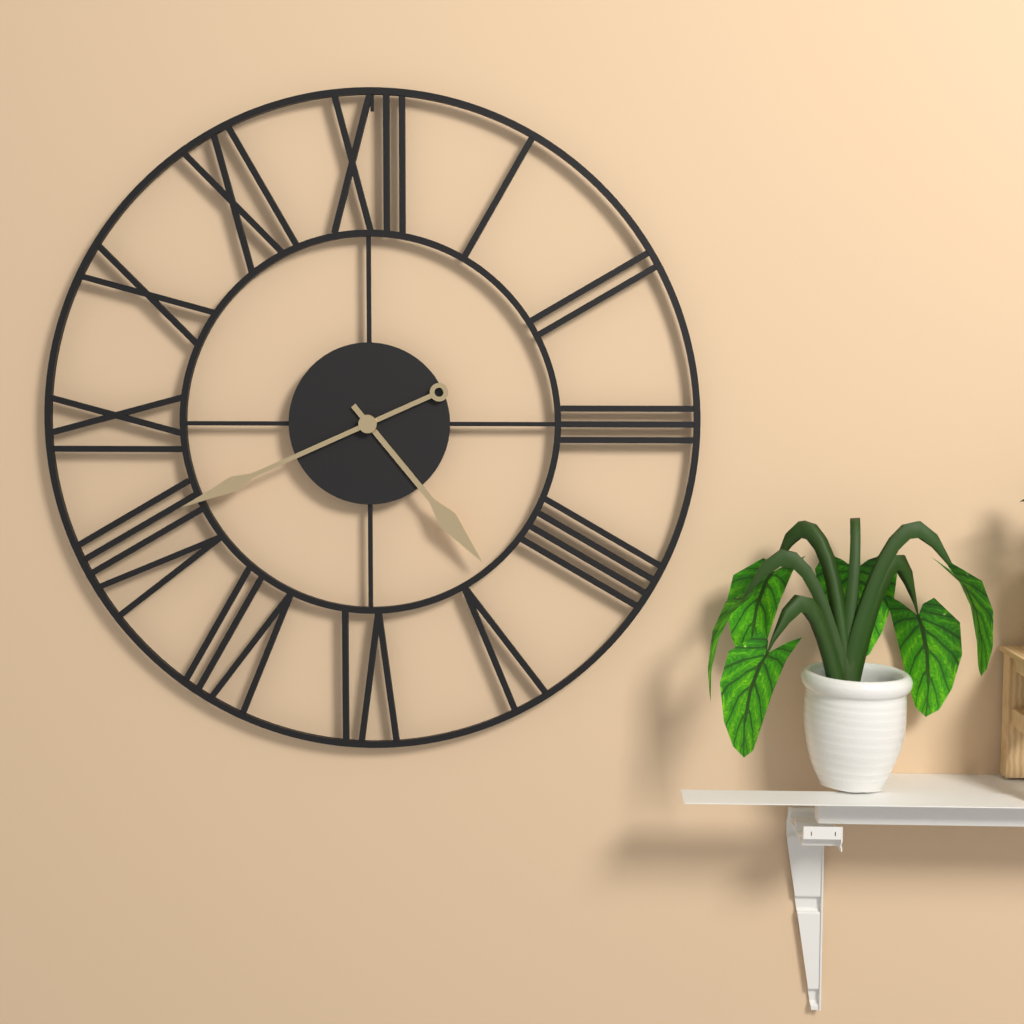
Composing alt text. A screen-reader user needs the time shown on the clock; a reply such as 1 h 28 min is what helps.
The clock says 4 h 41 min
